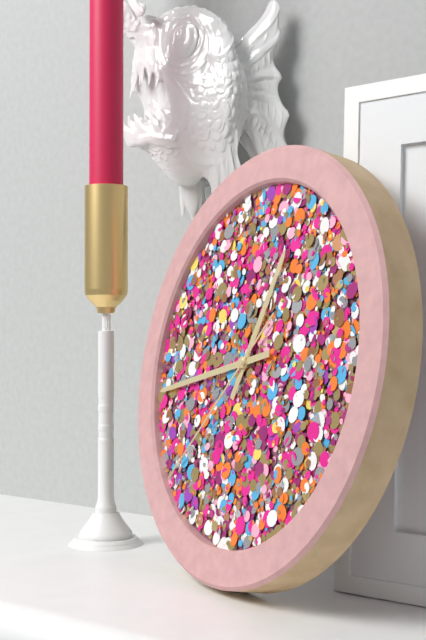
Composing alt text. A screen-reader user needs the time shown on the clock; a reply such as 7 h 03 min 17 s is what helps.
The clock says 12 h 43 min 37 s
